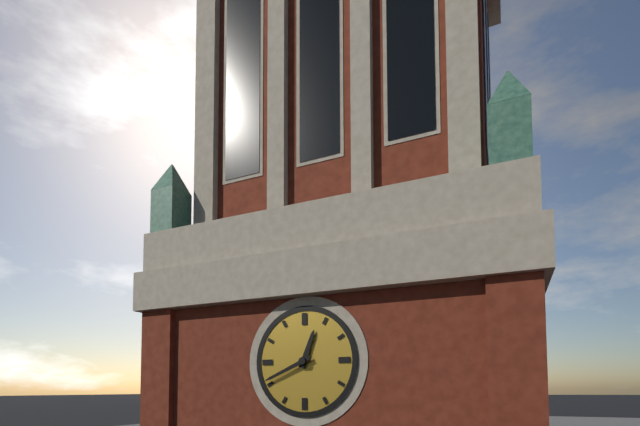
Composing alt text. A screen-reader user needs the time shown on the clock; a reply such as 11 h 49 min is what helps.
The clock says 12 h 41 min
